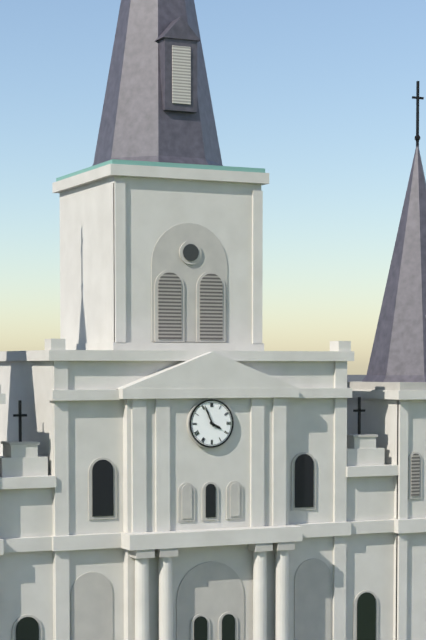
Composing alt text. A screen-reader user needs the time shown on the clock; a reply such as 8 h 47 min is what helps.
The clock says 3 h 56 min
